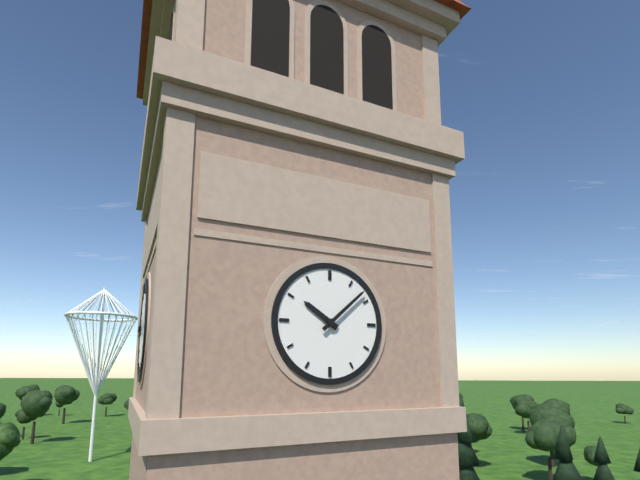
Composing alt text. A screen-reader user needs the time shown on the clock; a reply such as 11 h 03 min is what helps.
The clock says 10 h 08 min
